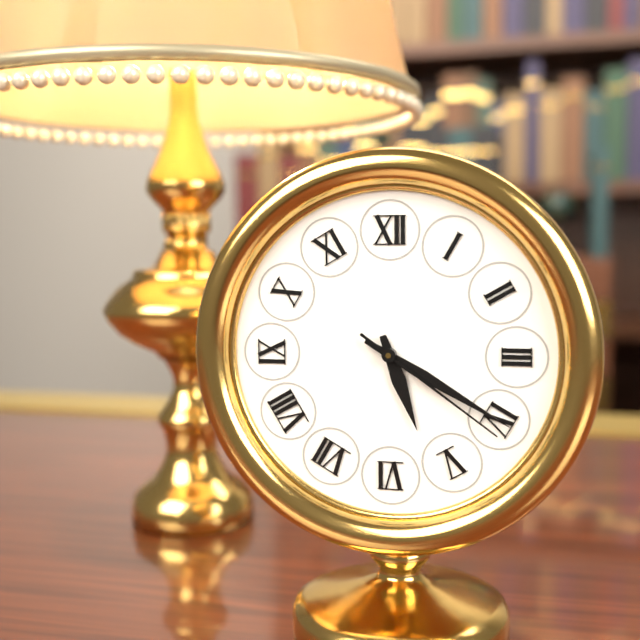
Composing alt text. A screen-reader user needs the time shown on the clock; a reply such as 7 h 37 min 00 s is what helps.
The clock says 5 h 20 min 21 s
